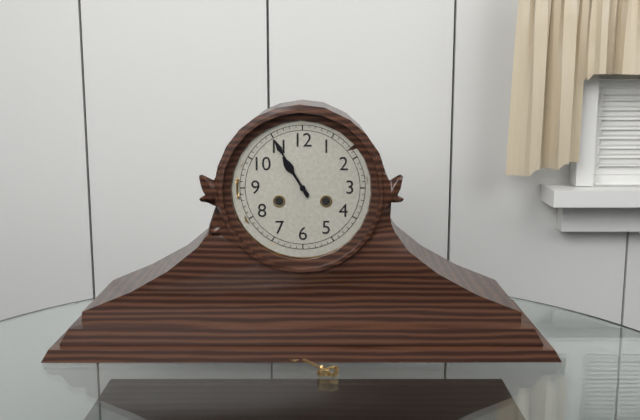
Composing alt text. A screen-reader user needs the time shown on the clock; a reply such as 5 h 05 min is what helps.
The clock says 10 h 55 min
